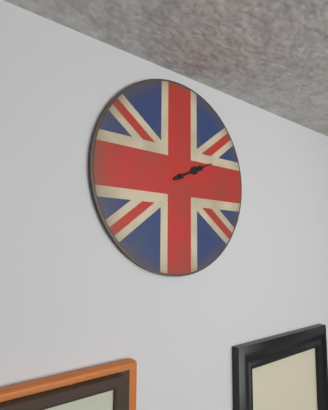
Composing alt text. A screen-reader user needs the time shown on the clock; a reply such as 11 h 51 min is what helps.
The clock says 2 h 11 min
